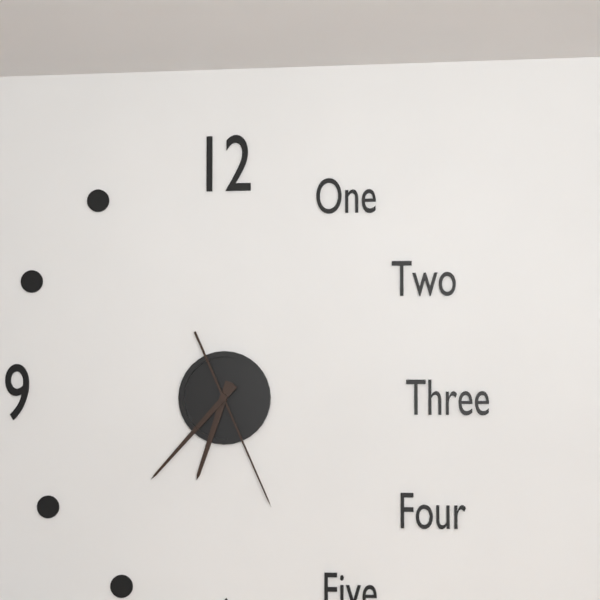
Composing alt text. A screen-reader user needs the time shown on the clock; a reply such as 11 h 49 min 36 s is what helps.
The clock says 6 h 37 min 26 s
